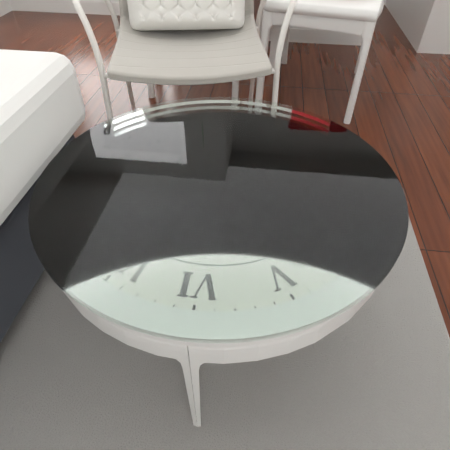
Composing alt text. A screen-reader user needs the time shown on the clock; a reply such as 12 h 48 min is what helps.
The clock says 11 h 06 min
